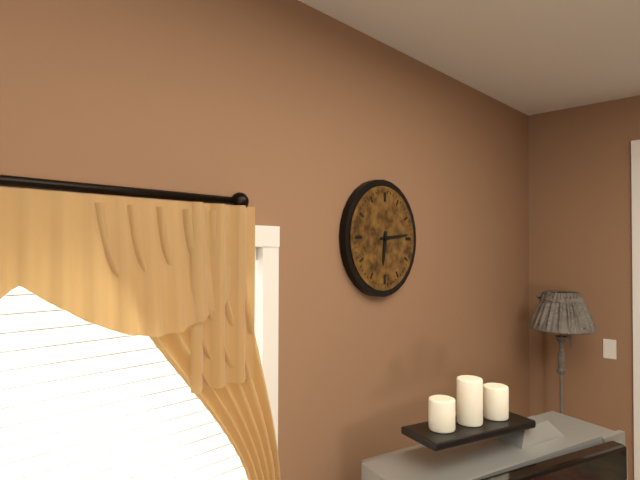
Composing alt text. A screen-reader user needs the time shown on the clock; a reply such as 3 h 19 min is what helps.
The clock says 6 h 14 min
